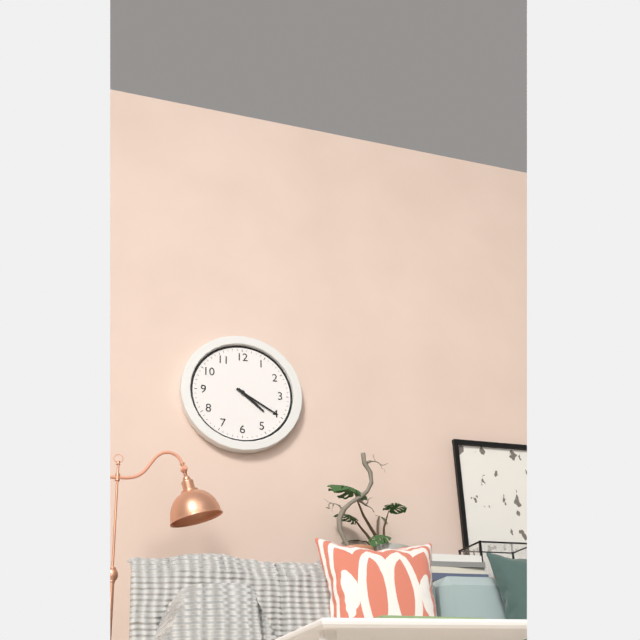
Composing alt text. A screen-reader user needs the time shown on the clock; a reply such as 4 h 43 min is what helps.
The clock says 4 h 20 min
